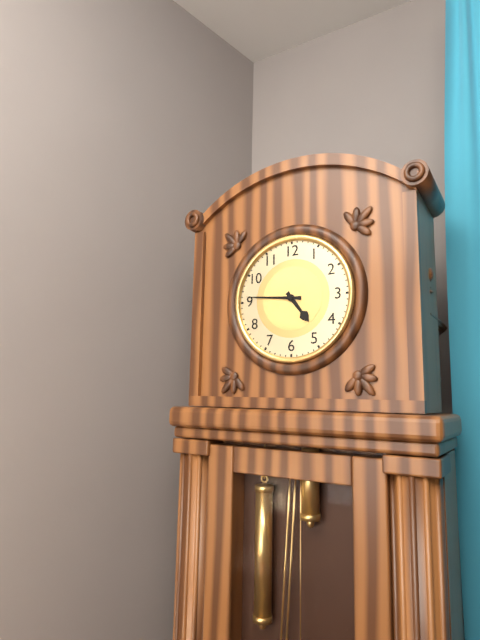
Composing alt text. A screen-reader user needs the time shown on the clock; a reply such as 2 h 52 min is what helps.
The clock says 4 h 46 min
